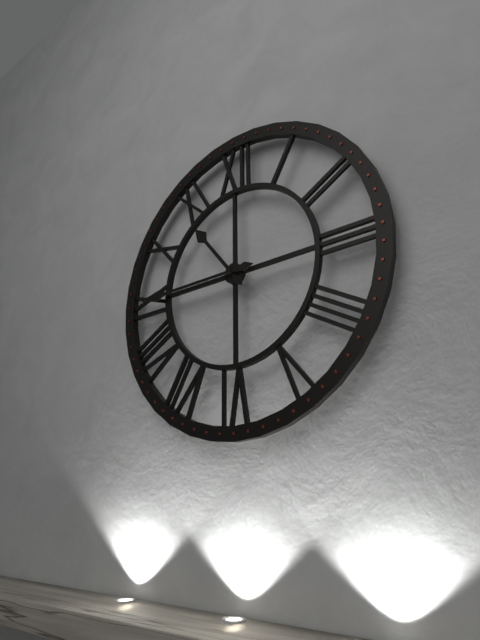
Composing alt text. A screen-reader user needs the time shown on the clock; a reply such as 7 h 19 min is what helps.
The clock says 10 h 45 min
